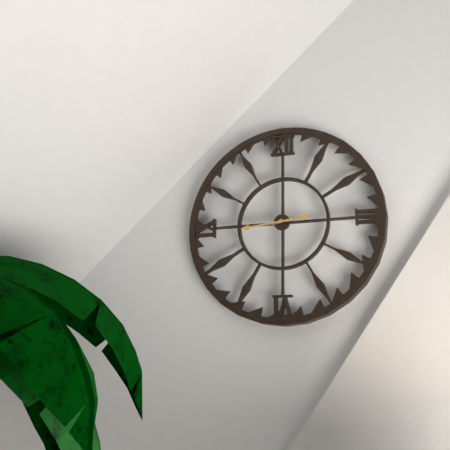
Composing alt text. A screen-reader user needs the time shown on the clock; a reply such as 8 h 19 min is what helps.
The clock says 2 h 44 min
